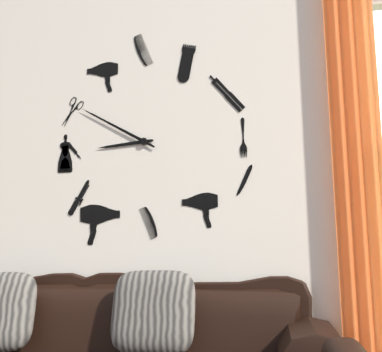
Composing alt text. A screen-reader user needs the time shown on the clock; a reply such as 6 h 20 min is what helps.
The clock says 8 h 50 min
